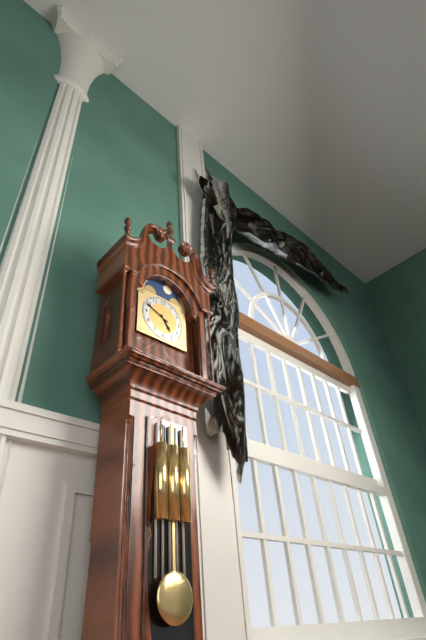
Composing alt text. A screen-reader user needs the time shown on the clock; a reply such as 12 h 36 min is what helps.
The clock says 4 h 49 min
